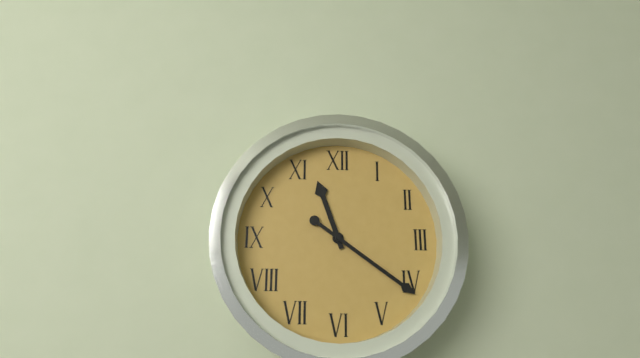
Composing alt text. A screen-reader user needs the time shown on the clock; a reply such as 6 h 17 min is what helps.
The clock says 11 h 21 min
